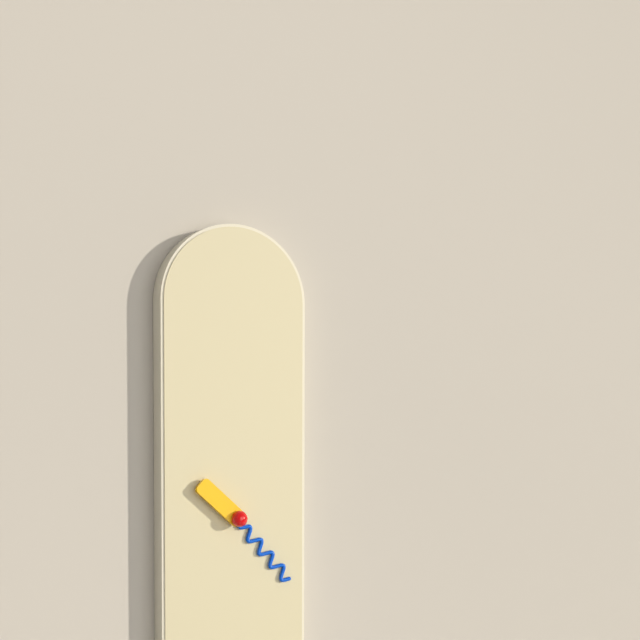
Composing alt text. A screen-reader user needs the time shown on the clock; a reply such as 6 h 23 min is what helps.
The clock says 10 h 23 min
